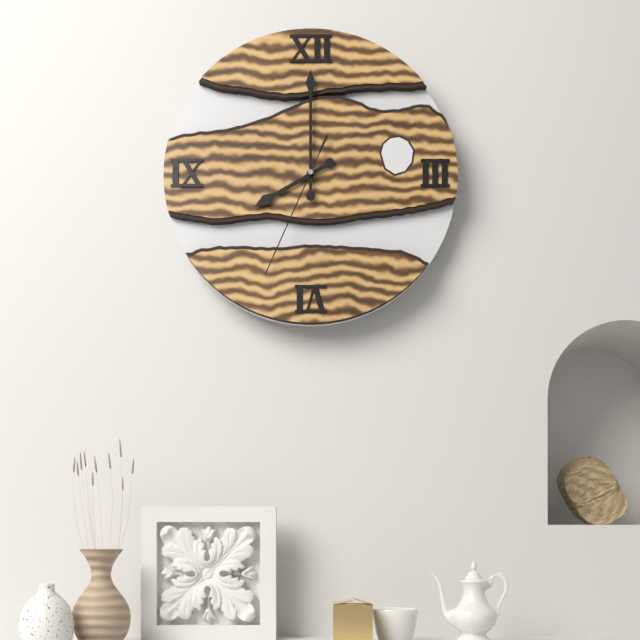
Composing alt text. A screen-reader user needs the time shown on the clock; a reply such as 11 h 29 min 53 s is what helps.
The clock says 8 h 00 min 34 s
